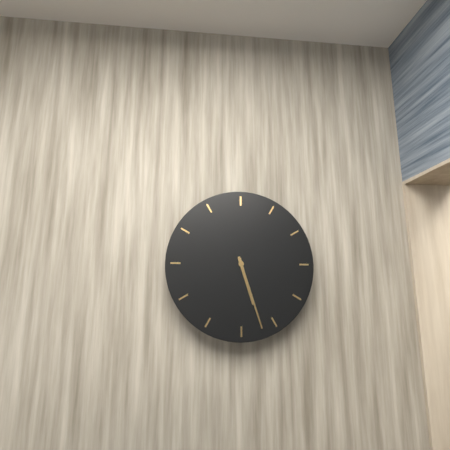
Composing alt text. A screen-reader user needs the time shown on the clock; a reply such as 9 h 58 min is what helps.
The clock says 5 h 27 min
